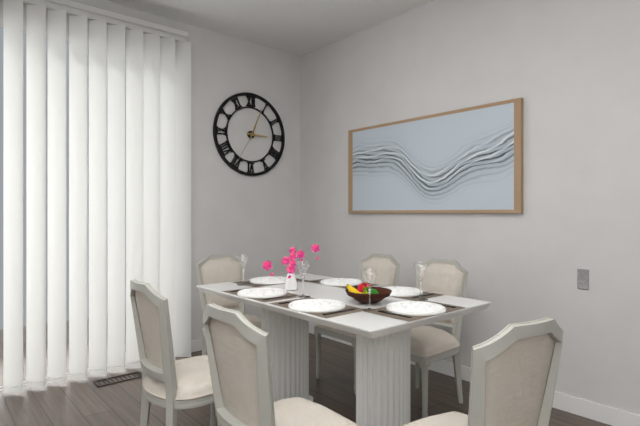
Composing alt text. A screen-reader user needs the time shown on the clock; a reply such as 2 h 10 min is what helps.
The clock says 3 h 04 min
